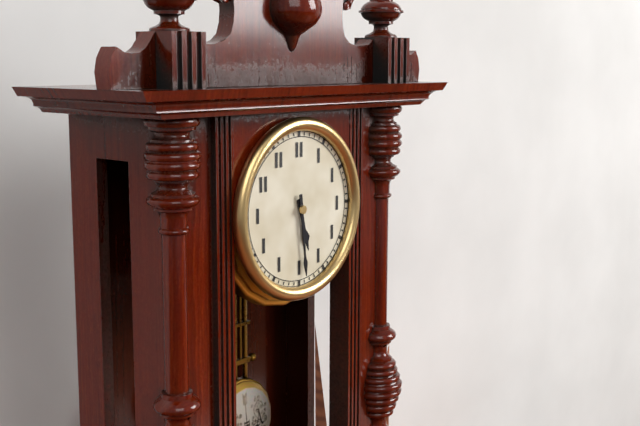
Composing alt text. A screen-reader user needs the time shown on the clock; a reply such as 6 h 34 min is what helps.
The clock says 5 h 29 min
